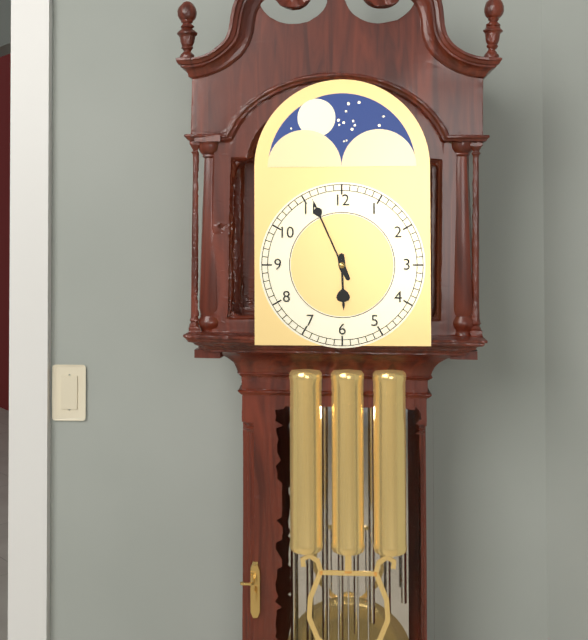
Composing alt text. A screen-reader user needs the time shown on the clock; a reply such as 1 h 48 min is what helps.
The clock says 5 h 56 min
